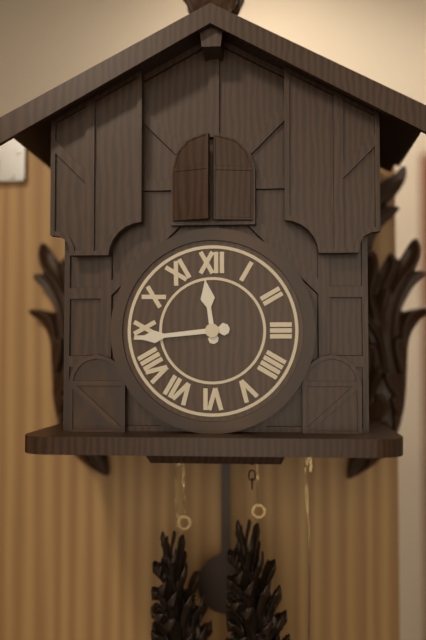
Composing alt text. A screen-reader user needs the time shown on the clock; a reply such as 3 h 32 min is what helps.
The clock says 11 h 44 min
